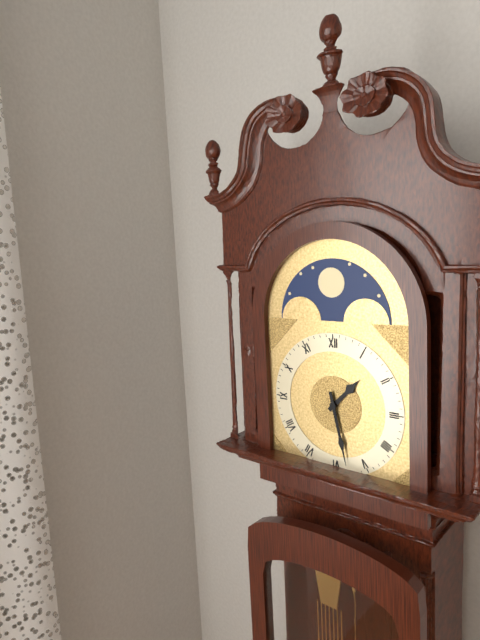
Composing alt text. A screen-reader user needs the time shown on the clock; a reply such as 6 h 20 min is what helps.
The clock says 1 h 28 min
